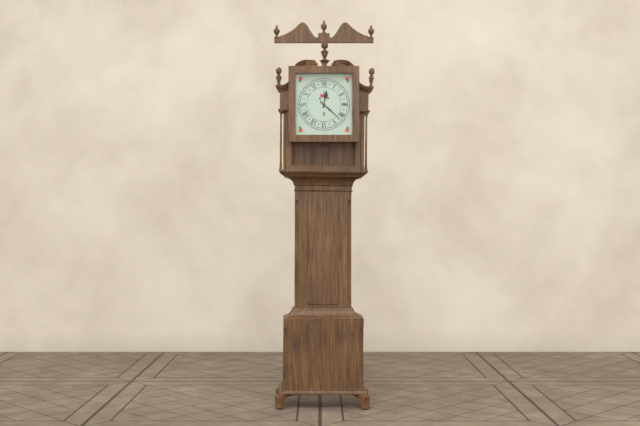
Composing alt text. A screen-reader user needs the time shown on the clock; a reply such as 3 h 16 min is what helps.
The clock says 12 h 22 min
